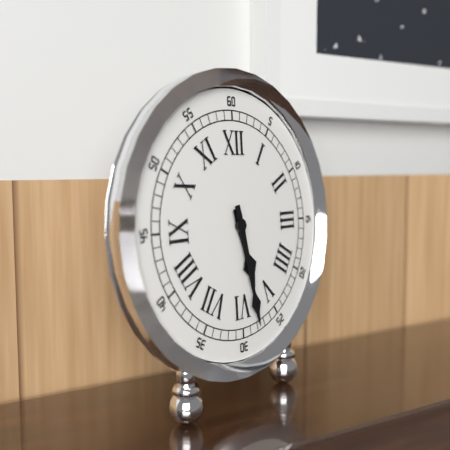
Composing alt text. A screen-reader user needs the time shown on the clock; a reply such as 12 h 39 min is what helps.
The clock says 5 h 28 min
